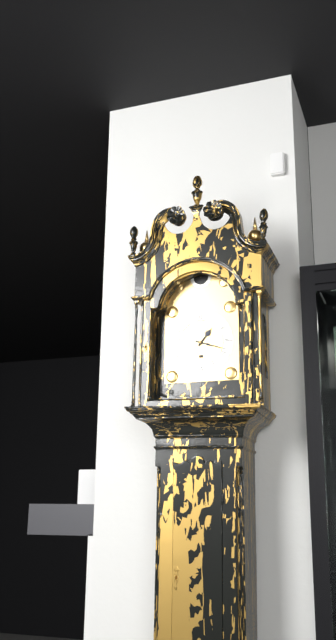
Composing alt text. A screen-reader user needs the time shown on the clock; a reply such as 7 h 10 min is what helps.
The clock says 1 h 18 min
